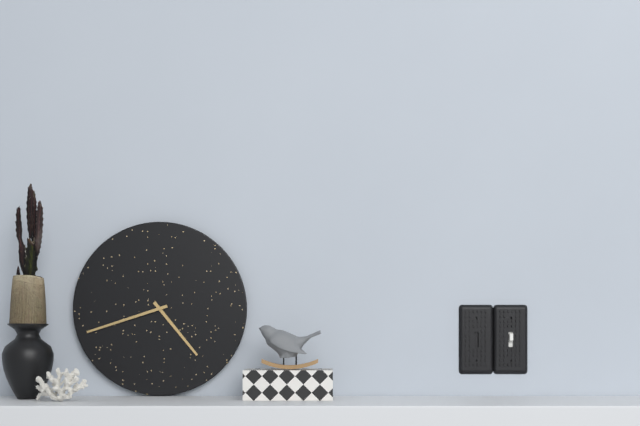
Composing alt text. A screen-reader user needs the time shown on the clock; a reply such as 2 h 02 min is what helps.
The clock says 4 h 42 min
